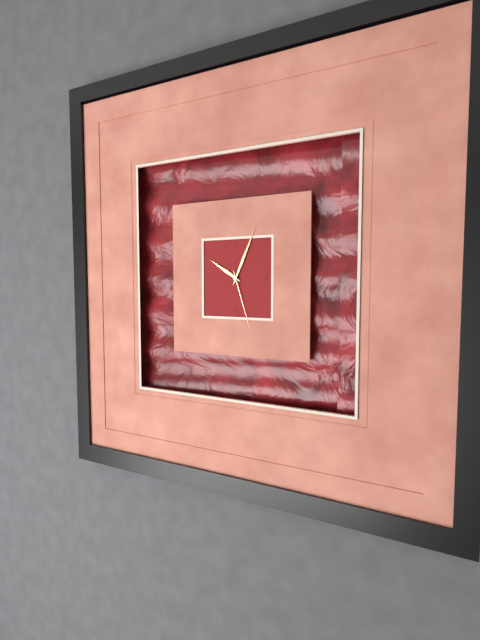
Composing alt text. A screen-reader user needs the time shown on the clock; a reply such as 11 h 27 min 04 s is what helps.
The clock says 10 h 04 min 27 s
